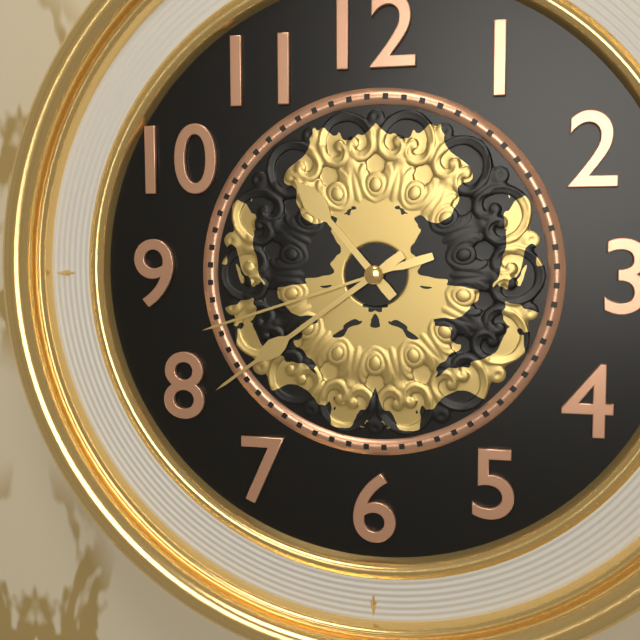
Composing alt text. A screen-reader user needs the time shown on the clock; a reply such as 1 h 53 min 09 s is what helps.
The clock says 10 h 39 min 42 s
